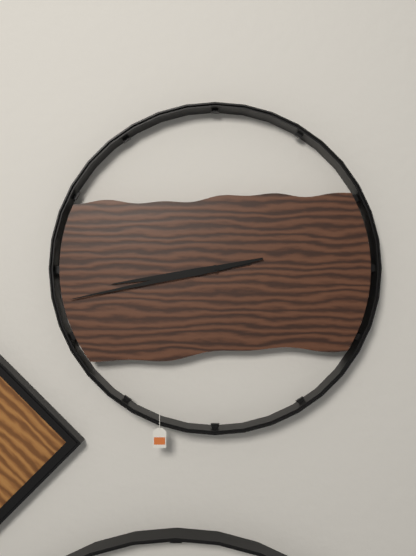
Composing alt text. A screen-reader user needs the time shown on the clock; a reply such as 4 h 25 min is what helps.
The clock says 8 h 43 min
